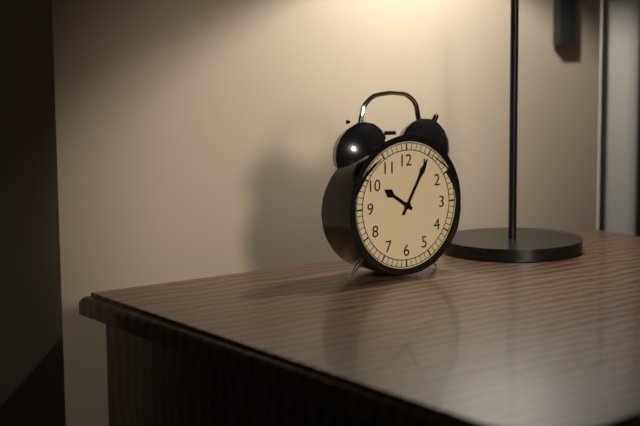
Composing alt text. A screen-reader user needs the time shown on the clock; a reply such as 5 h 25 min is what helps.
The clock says 10 h 05 min
